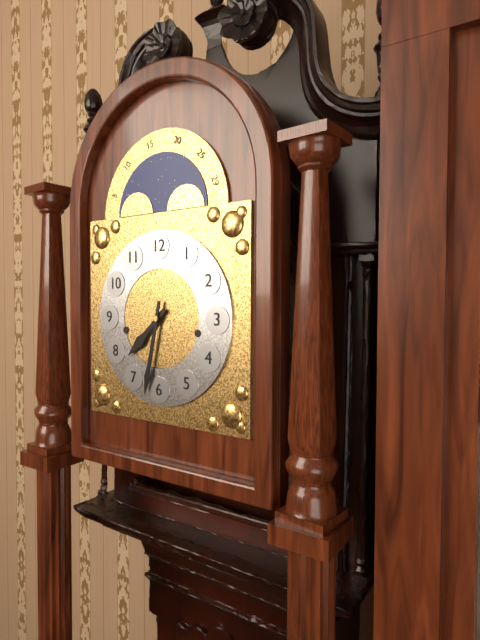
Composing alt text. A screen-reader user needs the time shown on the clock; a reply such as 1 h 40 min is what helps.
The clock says 7 h 32 min
